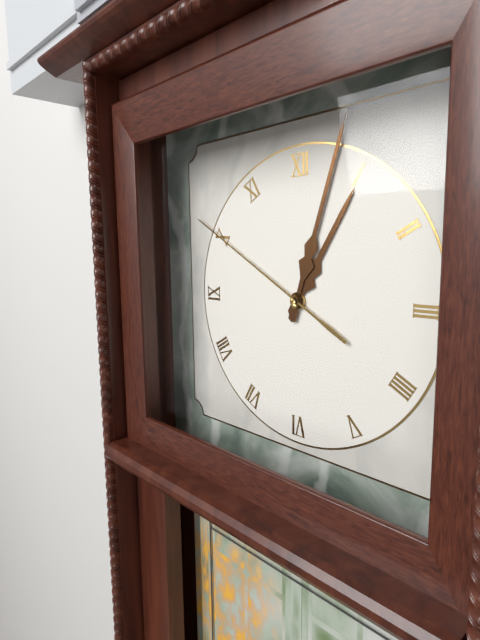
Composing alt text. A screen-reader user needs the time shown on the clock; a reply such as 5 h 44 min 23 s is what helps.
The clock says 1 h 03 min 50 s
